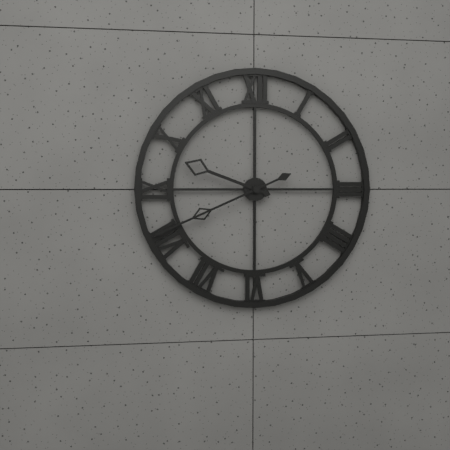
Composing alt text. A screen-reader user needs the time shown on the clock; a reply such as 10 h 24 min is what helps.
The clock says 9 h 41 min
